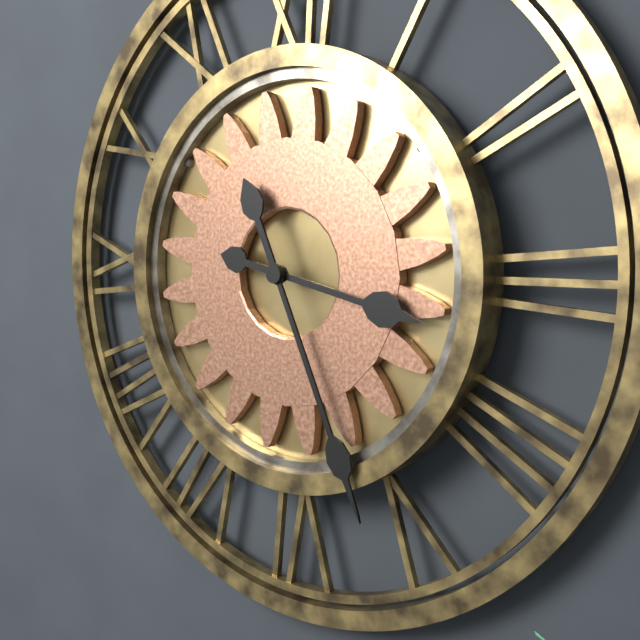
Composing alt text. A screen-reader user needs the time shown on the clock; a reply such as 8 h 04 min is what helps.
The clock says 3 h 26 min
